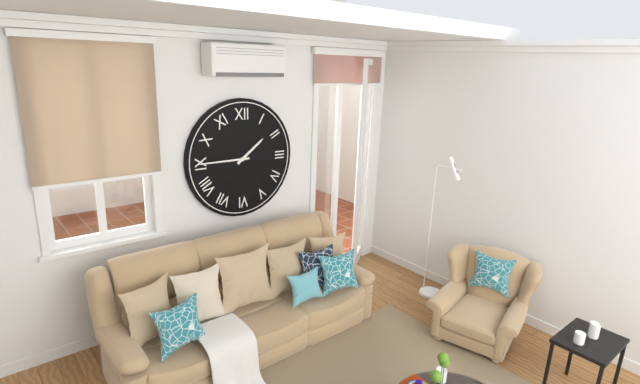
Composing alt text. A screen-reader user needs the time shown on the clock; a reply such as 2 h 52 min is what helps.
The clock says 1 h 45 min
